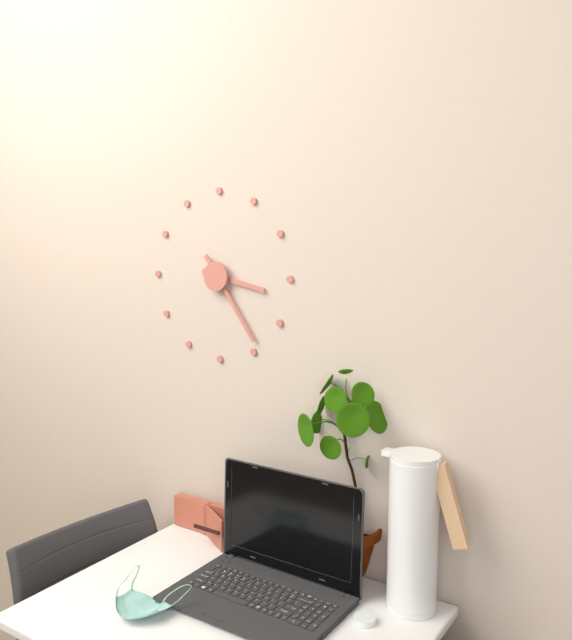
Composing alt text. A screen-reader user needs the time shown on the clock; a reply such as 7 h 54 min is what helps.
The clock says 3 h 24 min
